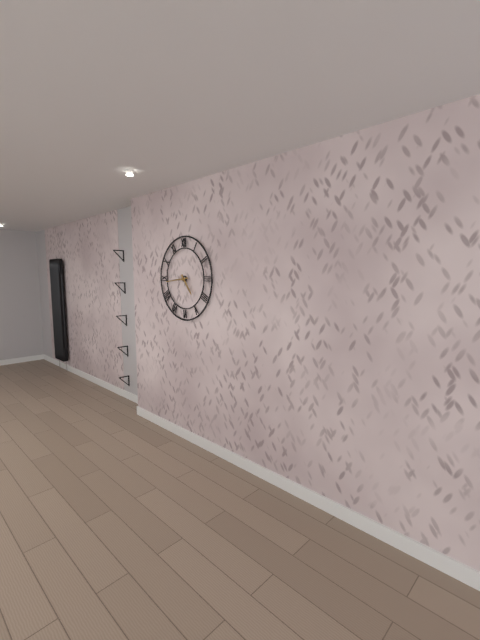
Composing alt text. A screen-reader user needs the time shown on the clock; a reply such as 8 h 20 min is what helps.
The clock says 4 h 44 min
